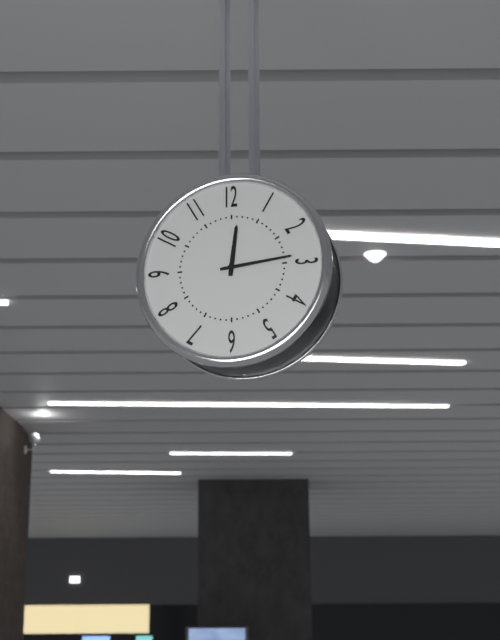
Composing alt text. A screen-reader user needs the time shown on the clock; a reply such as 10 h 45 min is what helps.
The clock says 12 h 14 min
